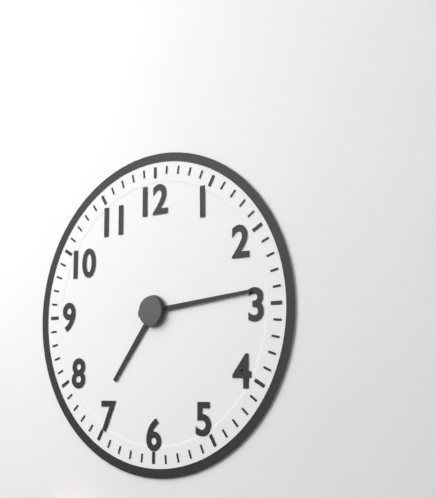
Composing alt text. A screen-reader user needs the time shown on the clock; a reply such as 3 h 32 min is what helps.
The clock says 7 h 14 min
